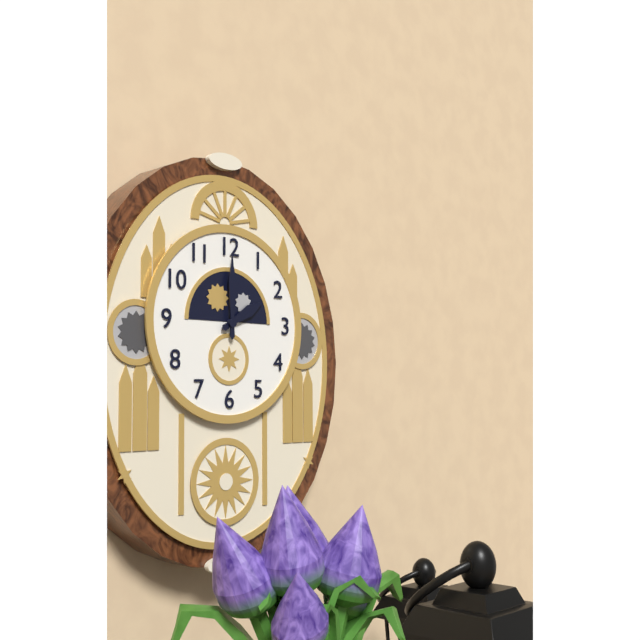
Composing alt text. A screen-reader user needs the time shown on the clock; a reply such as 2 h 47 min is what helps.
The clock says 2 h 00 min
